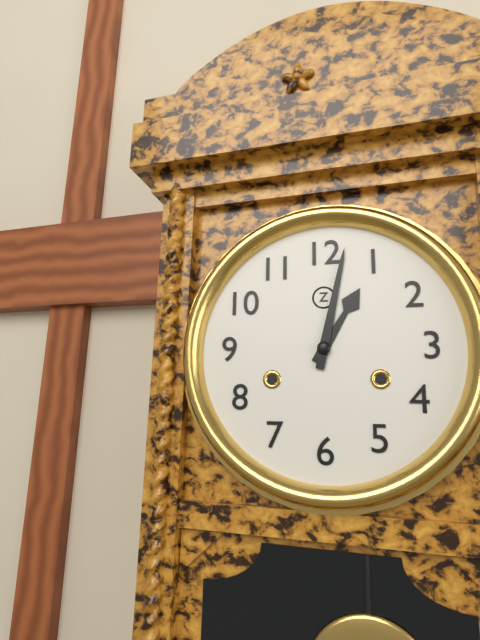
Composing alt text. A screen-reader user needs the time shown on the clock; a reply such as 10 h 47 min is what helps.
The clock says 1 h 02 min
